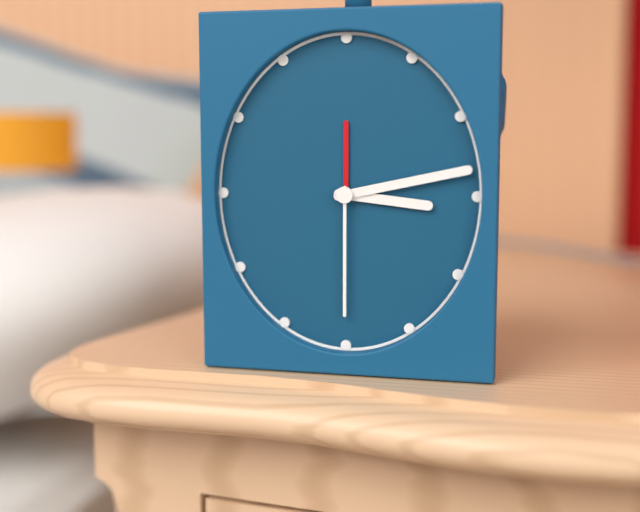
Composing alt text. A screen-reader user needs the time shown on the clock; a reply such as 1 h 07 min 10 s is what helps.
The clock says 3 h 13 min 30 s
